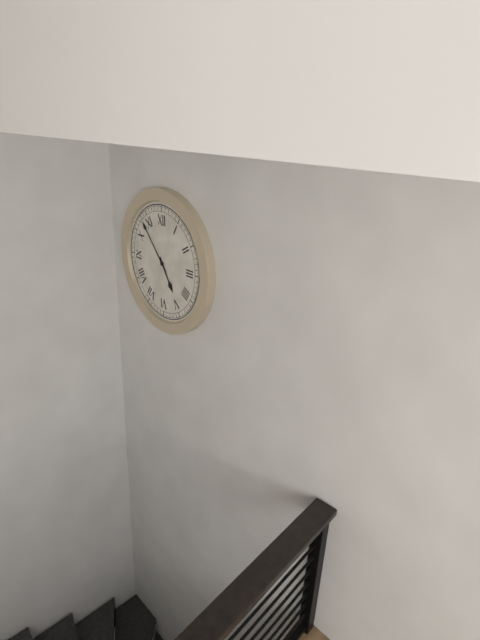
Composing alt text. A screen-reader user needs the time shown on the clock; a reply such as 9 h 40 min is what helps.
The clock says 4 h 53 min
